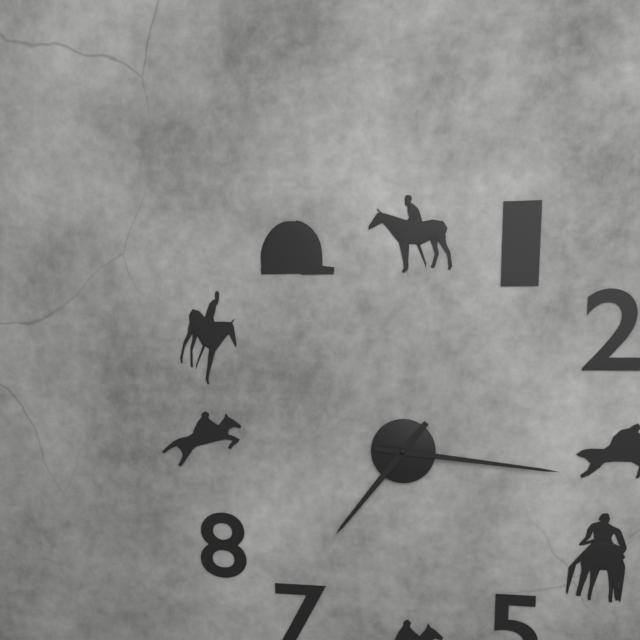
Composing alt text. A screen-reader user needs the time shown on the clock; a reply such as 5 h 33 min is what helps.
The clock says 7 h 16 min
